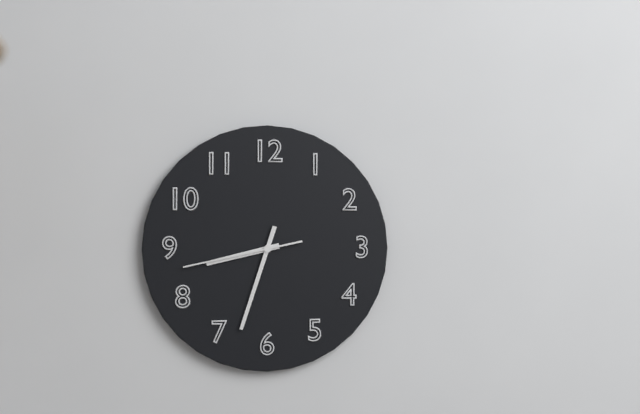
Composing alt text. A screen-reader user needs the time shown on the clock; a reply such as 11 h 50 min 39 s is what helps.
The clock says 8 h 33 min 43 s
